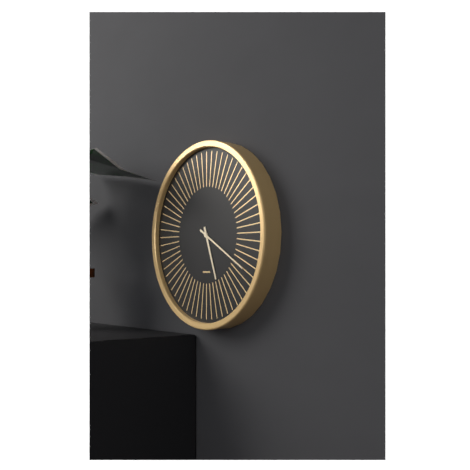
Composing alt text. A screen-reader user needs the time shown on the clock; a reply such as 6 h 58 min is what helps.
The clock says 5 h 20 min
